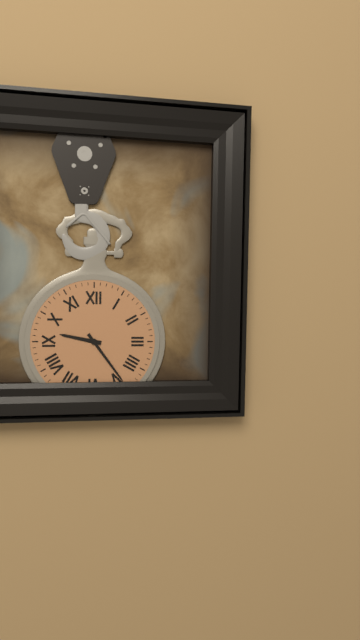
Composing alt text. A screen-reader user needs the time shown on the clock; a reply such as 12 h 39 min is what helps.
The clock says 9 h 24 min
